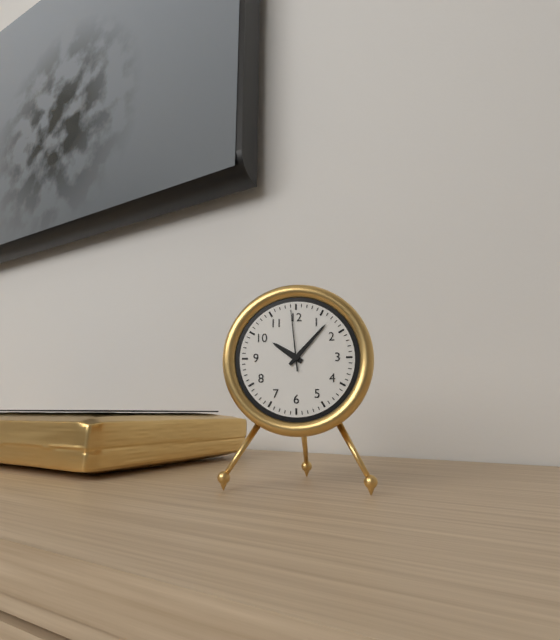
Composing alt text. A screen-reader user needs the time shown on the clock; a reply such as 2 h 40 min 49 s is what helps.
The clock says 10 h 07 min 59 s
